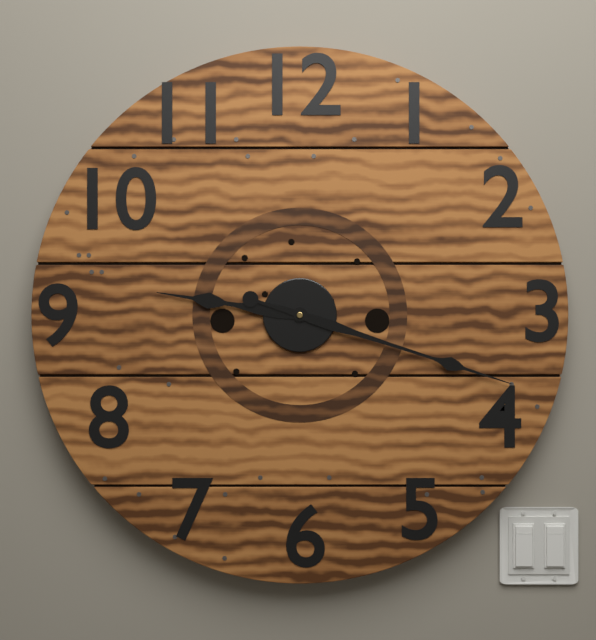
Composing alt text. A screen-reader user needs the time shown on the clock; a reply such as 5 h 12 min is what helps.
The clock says 9 h 18 min
